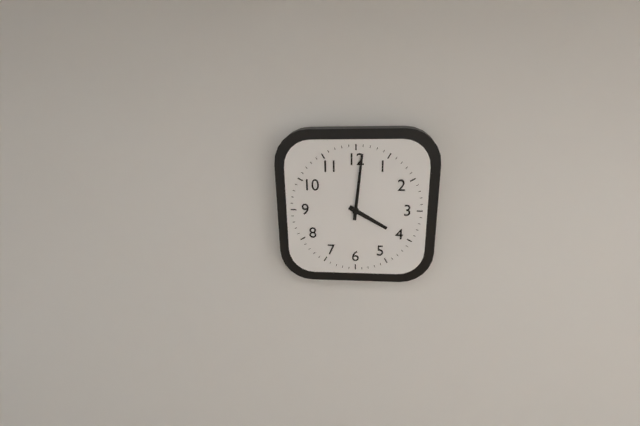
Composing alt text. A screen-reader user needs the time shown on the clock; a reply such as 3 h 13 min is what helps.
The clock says 4 h 01 min
